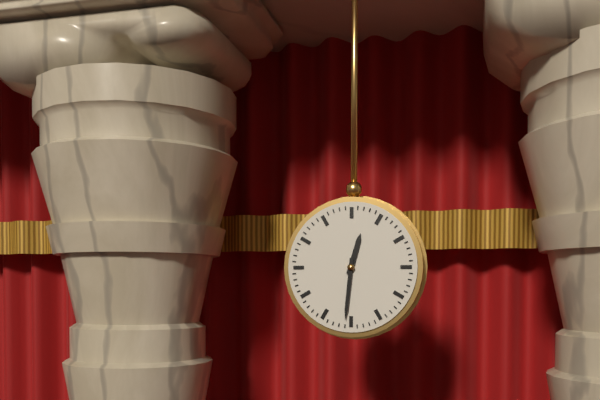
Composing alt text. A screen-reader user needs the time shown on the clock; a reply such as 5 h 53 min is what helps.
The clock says 12 h 31 min
